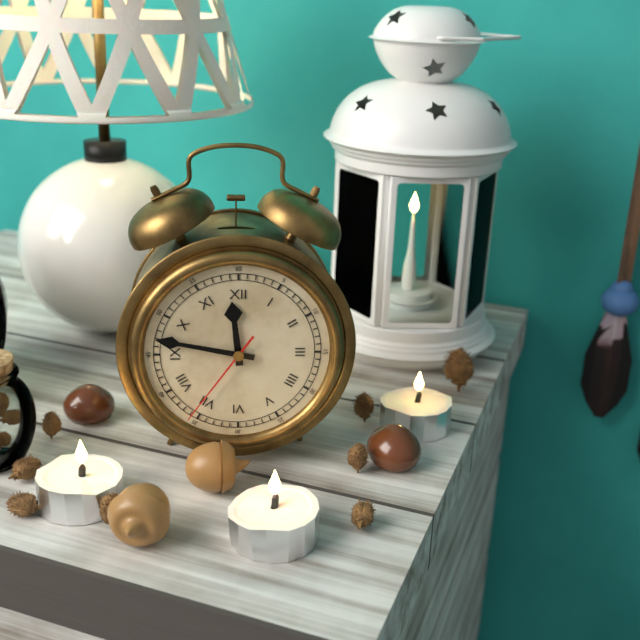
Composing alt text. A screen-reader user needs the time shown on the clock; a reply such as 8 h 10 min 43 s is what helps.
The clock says 11 h 47 min 36 s
